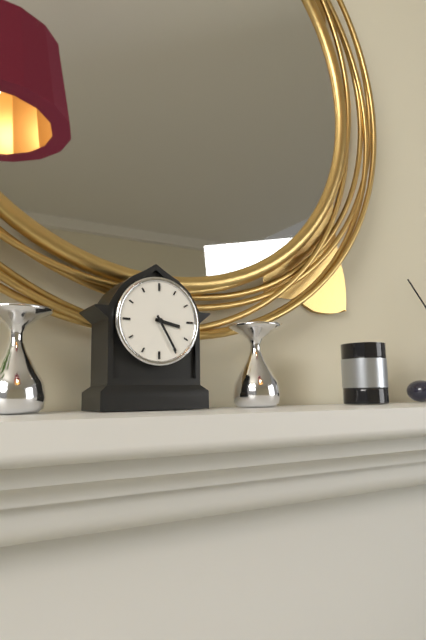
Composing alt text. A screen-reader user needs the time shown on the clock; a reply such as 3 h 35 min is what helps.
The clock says 3 h 25 min
